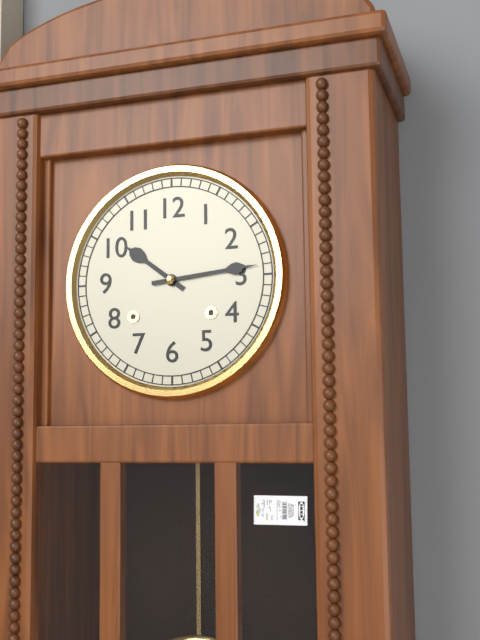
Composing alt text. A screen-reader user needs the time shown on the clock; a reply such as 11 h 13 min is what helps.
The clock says 10 h 14 min
